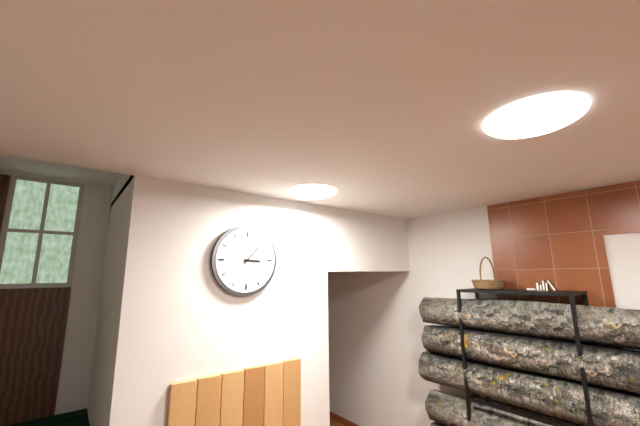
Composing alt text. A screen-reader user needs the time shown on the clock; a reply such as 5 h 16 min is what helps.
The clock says 3 h 07 min
